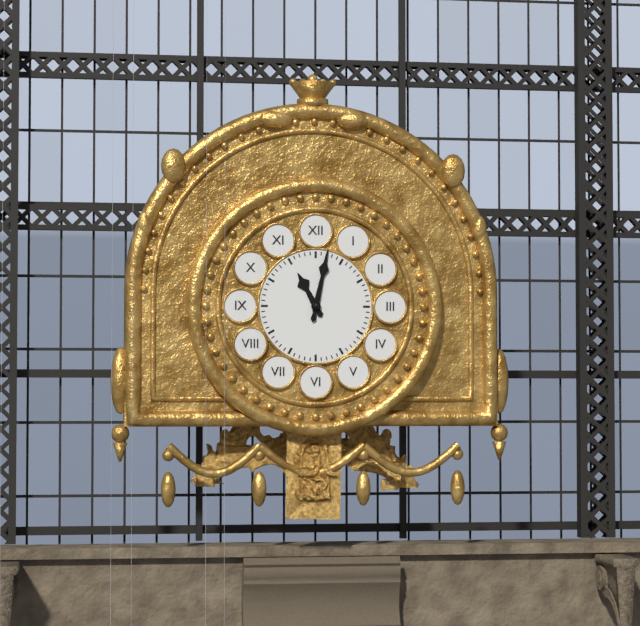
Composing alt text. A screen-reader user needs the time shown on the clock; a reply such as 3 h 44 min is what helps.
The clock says 11 h 02 min
